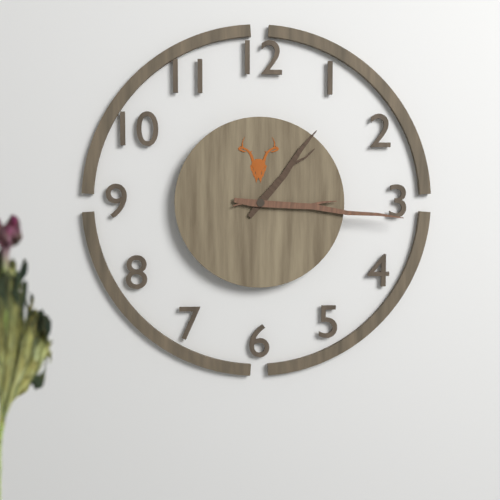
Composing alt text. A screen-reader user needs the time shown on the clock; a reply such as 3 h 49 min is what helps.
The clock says 1 h 16 min
